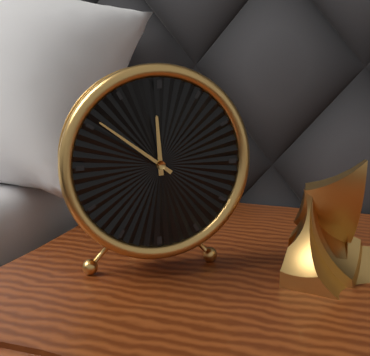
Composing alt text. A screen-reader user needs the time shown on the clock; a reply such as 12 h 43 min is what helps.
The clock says 11 h 51 min
